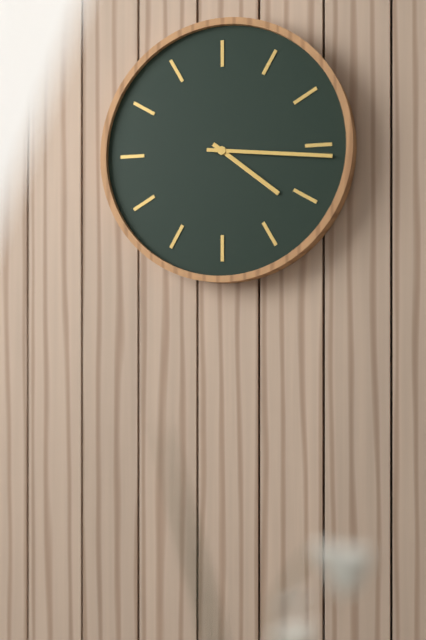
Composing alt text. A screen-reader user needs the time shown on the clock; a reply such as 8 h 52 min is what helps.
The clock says 4 h 16 min
